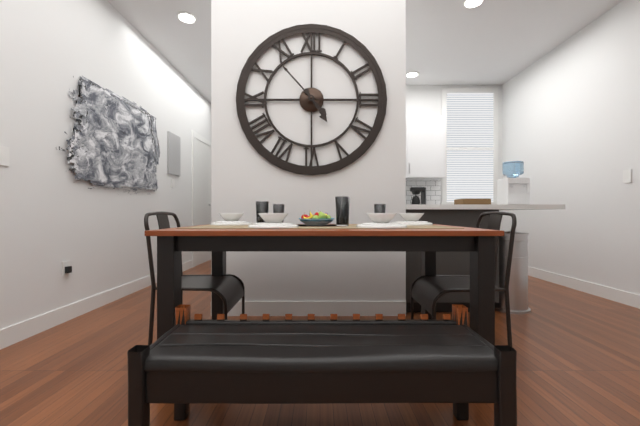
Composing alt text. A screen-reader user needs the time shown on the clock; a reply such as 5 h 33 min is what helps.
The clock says 4 h 53 min
